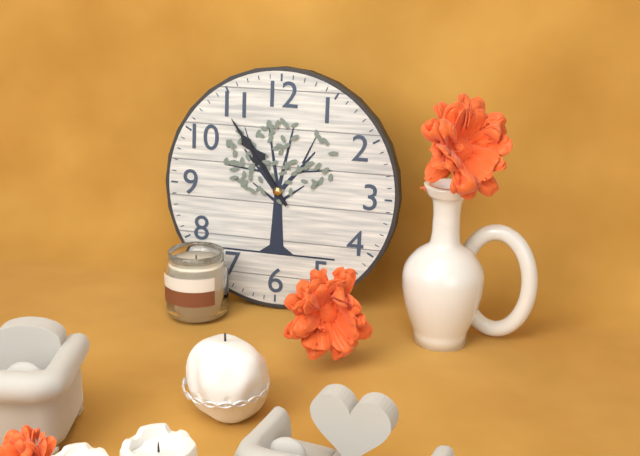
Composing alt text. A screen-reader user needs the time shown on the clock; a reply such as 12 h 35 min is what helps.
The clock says 10 h 54 min
